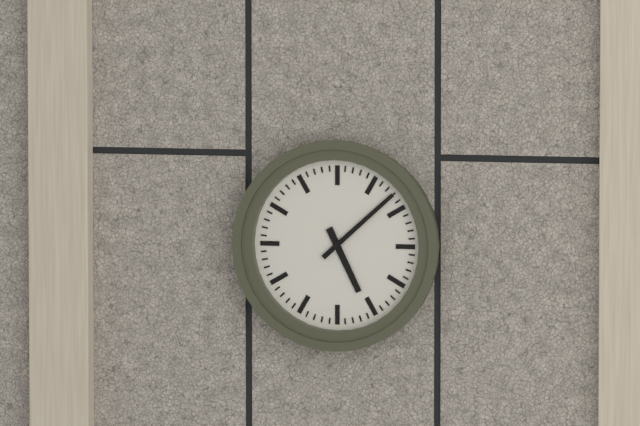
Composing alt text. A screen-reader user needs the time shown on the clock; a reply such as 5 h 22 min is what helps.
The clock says 5 h 08 min
